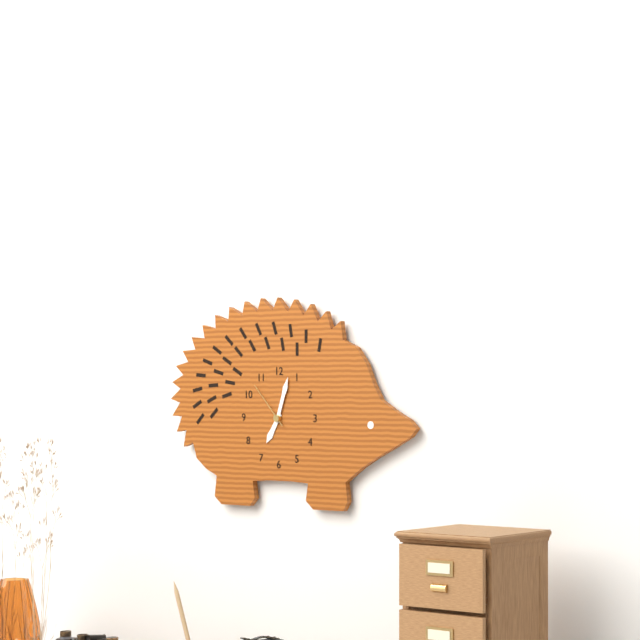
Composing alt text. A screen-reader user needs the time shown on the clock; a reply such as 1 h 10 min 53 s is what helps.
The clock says 7 h 03 min 53 s
